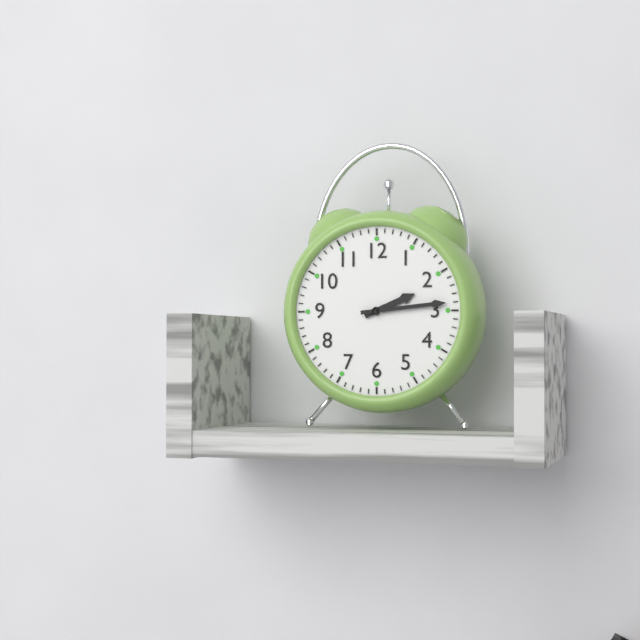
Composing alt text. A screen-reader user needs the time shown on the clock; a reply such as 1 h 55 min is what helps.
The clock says 2 h 14 min
